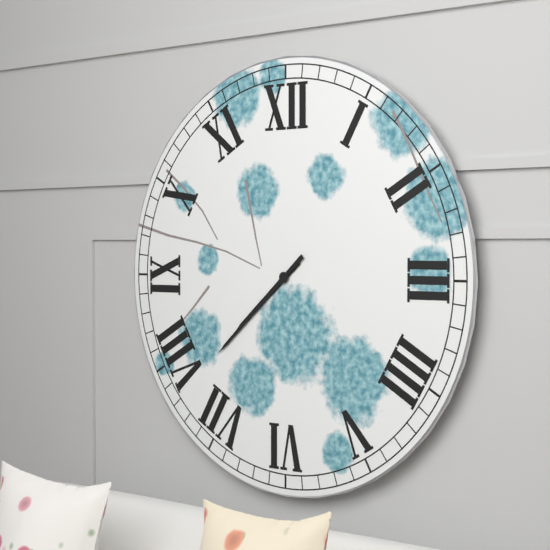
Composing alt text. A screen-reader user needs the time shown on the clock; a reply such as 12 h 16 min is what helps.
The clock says 7 h 38 min
